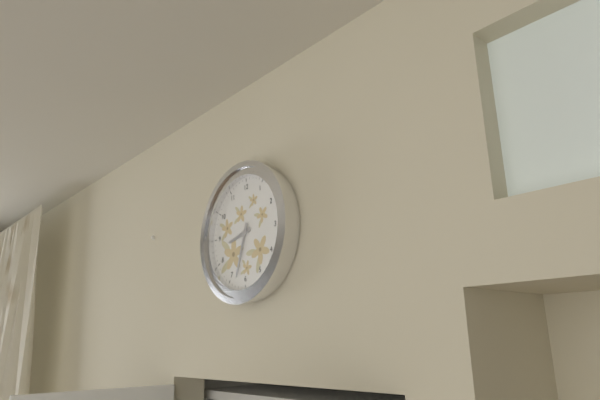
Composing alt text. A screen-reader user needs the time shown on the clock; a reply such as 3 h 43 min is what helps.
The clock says 8 h 33 min
